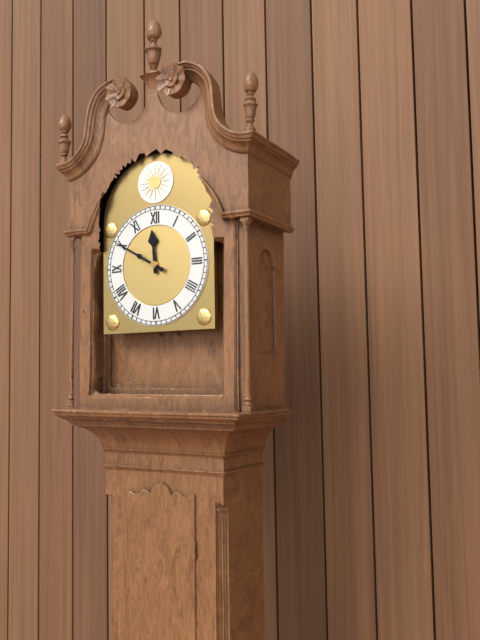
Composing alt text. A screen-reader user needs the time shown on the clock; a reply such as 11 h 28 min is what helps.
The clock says 11 h 50 min
